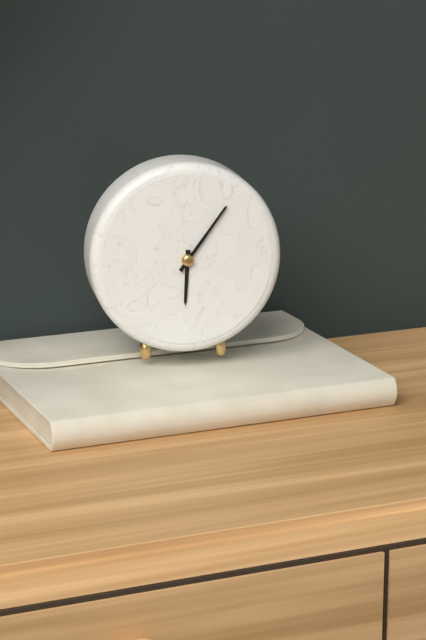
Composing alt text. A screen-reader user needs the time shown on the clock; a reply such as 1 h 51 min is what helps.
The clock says 6 h 06 min
